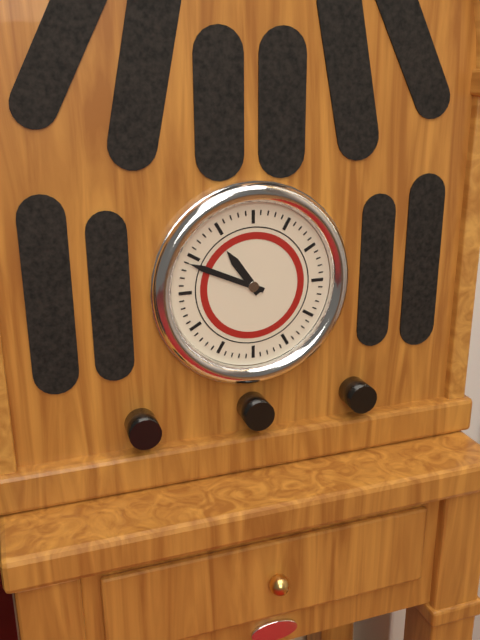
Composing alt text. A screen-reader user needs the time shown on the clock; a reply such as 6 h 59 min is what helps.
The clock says 10 h 49 min
